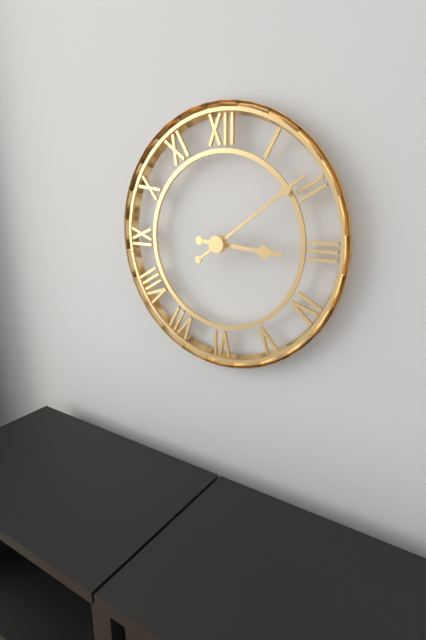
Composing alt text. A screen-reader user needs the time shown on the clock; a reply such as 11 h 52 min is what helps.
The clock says 3 h 09 min
